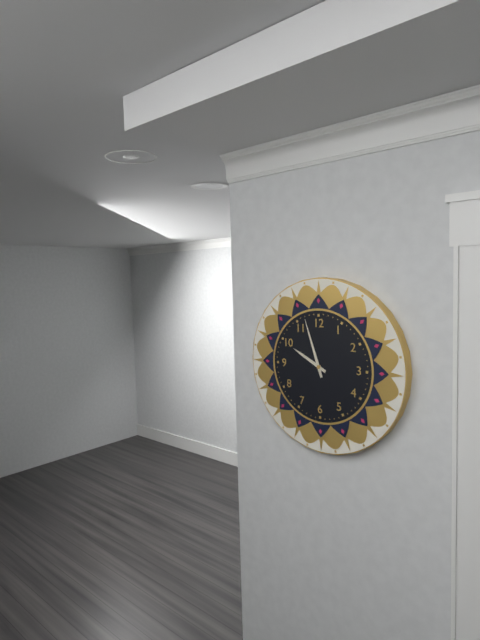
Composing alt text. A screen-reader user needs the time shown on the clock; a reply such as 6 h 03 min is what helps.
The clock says 9 h 57 min
